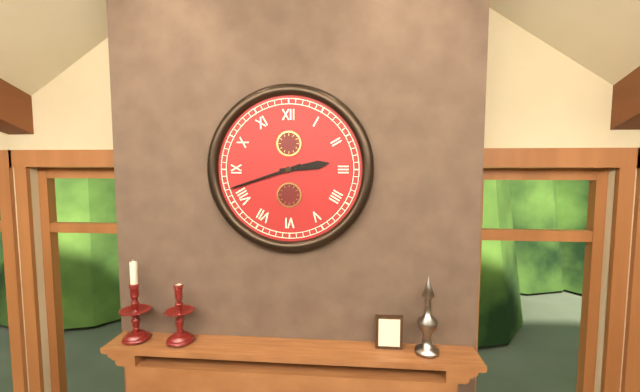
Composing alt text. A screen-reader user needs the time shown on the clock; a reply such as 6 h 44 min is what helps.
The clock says 2 h 42 min
